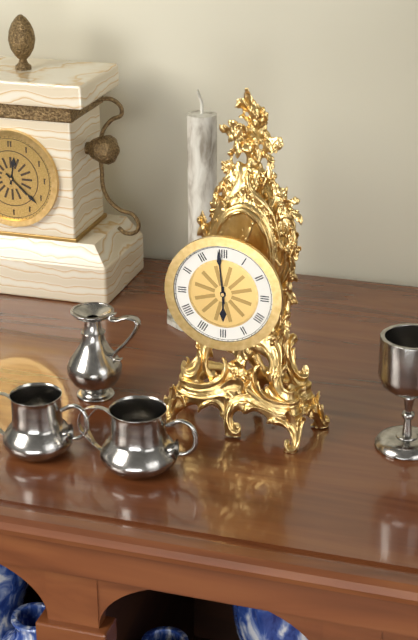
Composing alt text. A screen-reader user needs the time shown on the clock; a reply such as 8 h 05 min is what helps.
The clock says 5 h 59 min
